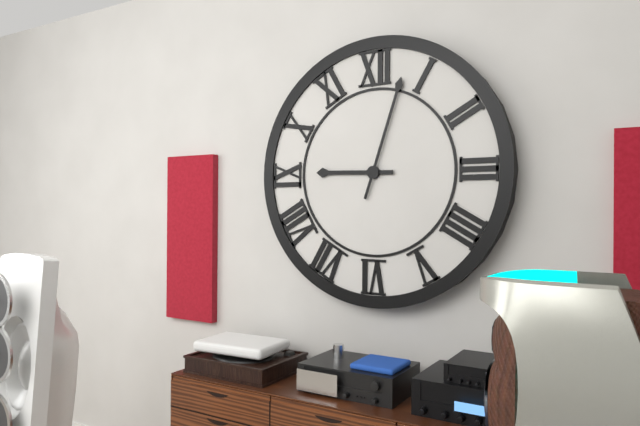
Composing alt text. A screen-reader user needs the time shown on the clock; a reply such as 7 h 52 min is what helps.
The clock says 9 h 03 min
